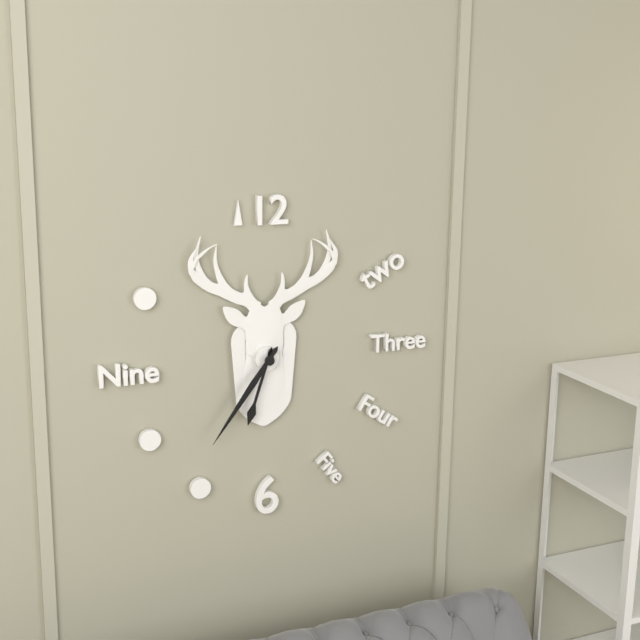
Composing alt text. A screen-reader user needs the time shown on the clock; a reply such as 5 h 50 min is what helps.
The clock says 6 h 36 min
